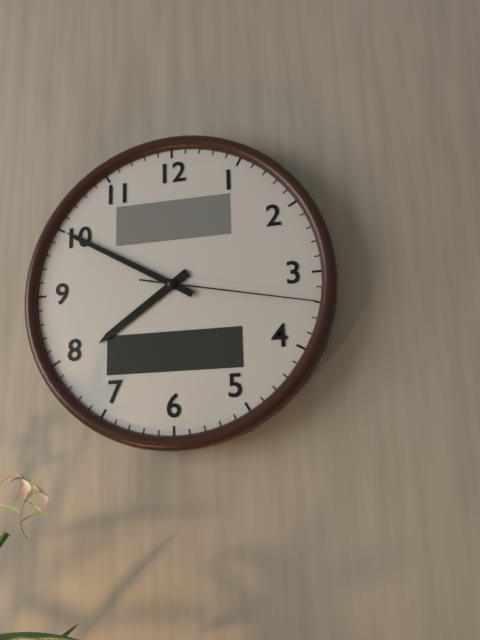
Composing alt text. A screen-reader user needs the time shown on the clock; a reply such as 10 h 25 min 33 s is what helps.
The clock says 7 h 50 min 17 s
